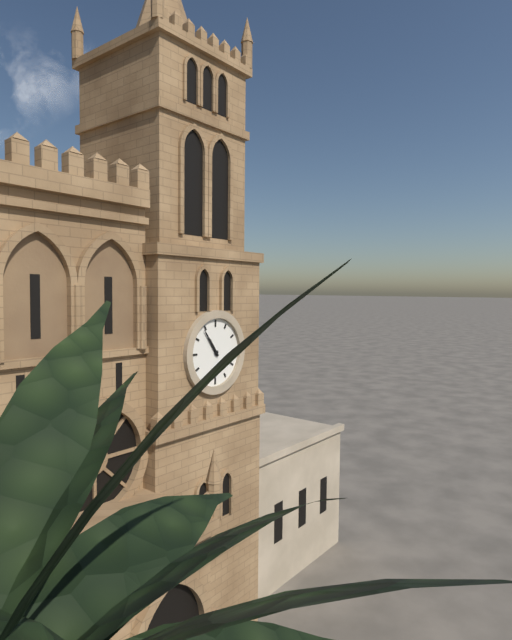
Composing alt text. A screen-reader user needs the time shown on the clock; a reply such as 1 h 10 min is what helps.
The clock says 10 h 54 min
